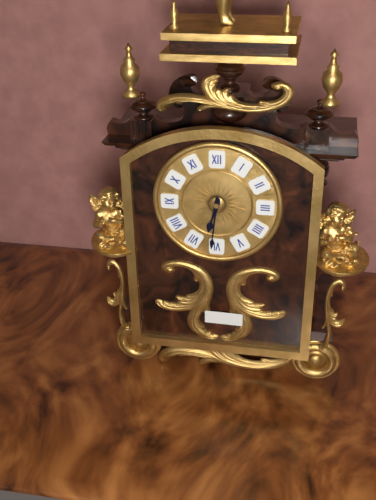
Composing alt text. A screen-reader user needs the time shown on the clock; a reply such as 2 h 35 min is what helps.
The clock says 6 h 31 min
